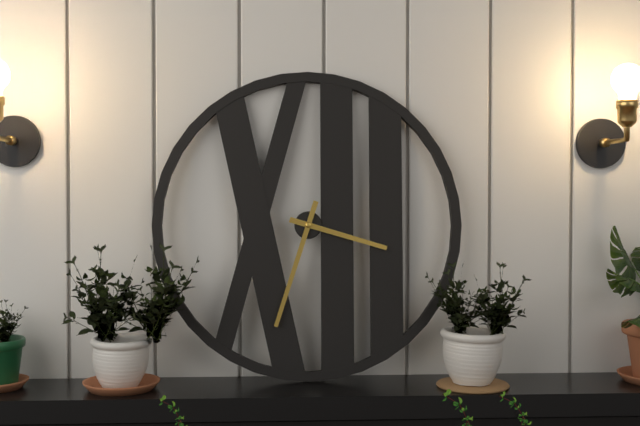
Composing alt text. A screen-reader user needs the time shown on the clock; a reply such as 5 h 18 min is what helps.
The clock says 3 h 33 min
